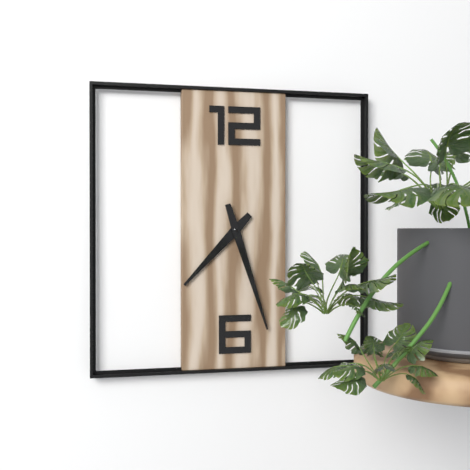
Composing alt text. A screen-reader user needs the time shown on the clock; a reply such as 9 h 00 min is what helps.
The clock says 7 h 27 min
